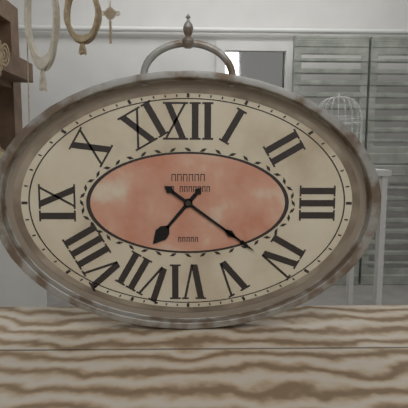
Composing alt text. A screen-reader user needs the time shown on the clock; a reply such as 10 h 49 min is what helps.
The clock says 7 h 21 min
